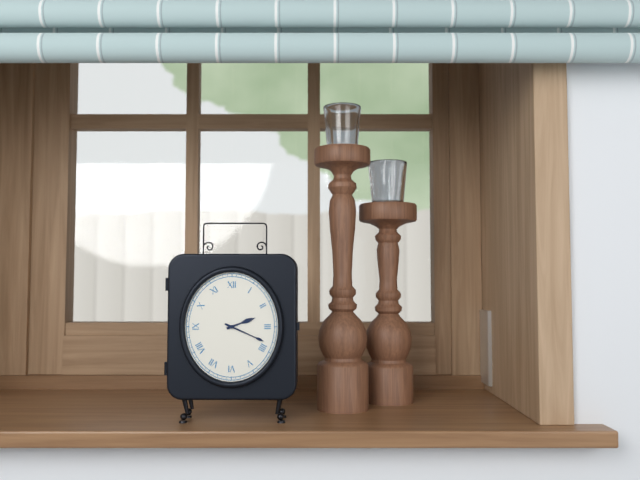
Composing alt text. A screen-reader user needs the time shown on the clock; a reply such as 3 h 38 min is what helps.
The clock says 2 h 19 min
